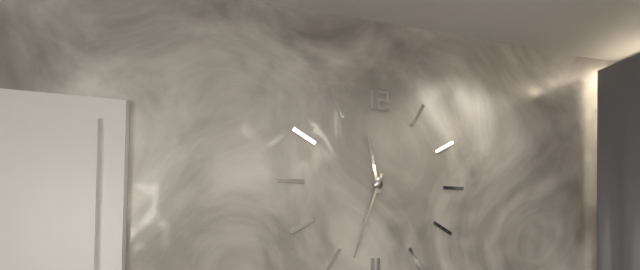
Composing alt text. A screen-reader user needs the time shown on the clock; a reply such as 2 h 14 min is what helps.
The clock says 11 h 33 min
